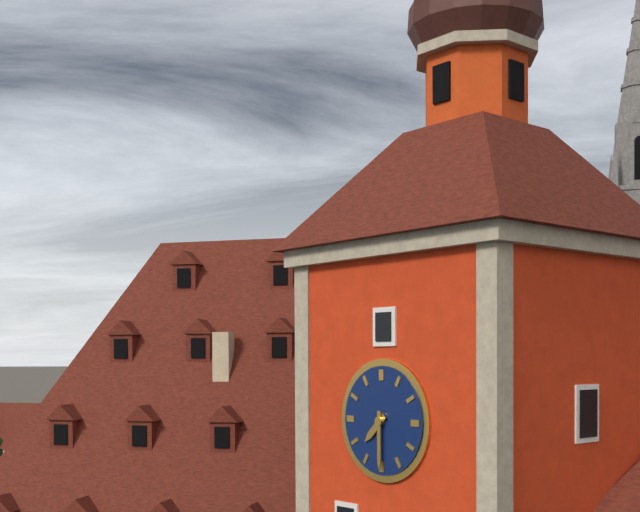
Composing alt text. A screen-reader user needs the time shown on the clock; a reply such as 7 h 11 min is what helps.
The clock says 7 h 30 min
